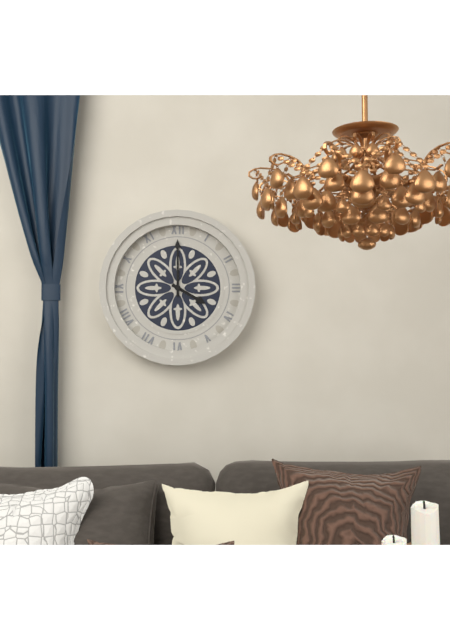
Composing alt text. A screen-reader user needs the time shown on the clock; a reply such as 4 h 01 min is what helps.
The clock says 4 h 00 min
